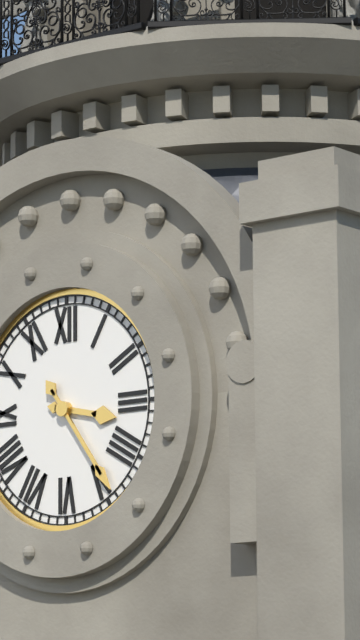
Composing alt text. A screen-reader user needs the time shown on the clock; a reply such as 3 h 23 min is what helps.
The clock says 3 h 24 min
